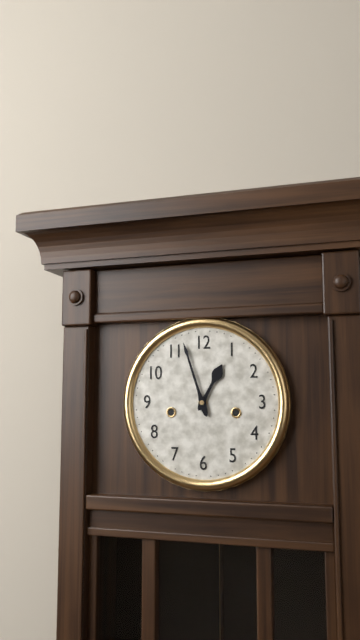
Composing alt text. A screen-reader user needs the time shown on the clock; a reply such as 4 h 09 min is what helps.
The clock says 12 h 57 min
